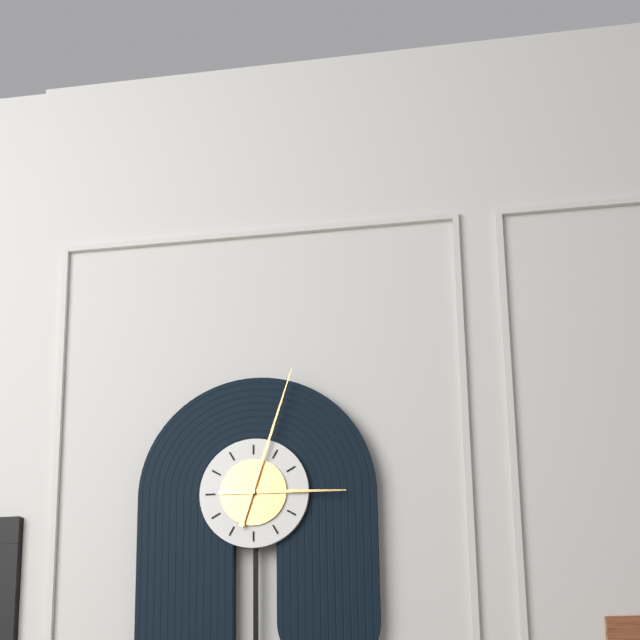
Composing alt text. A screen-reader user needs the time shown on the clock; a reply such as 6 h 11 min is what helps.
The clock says 3 h 03 min
